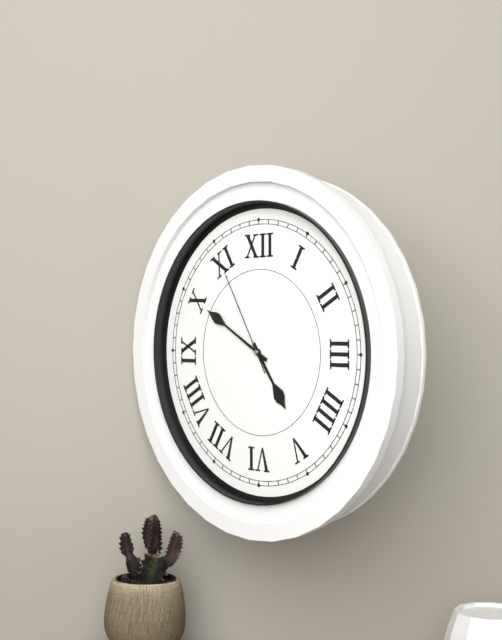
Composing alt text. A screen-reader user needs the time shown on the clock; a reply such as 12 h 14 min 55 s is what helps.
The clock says 4 h 50 min 55 s
